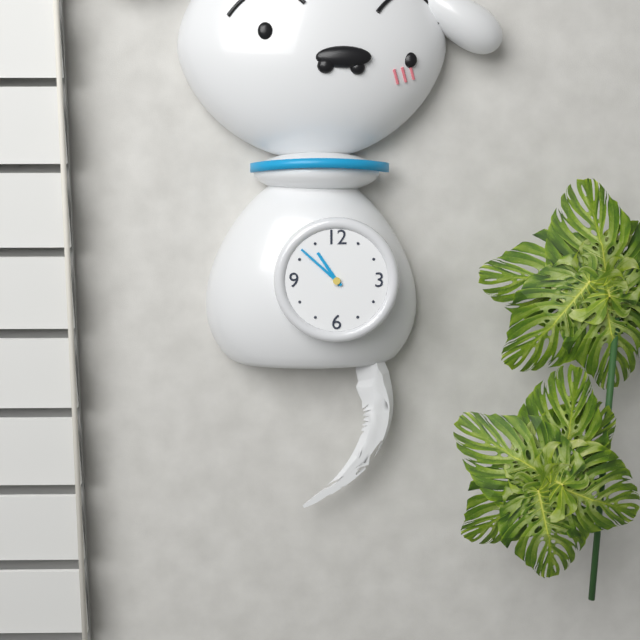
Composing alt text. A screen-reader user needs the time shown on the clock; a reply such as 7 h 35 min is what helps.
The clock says 10 h 52 min
